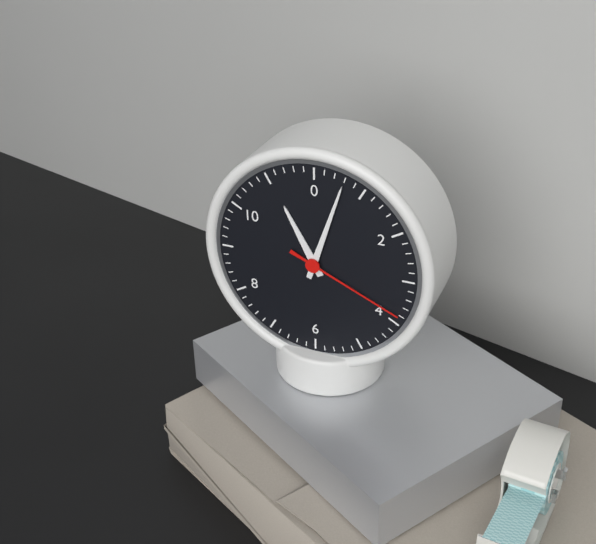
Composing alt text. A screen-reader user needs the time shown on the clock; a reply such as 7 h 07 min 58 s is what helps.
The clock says 11 h 03 min 19 s
